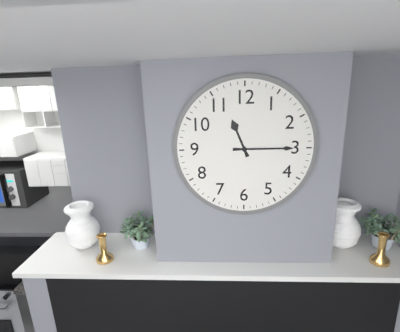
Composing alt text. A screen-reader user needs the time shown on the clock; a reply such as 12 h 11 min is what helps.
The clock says 11 h 15 min
